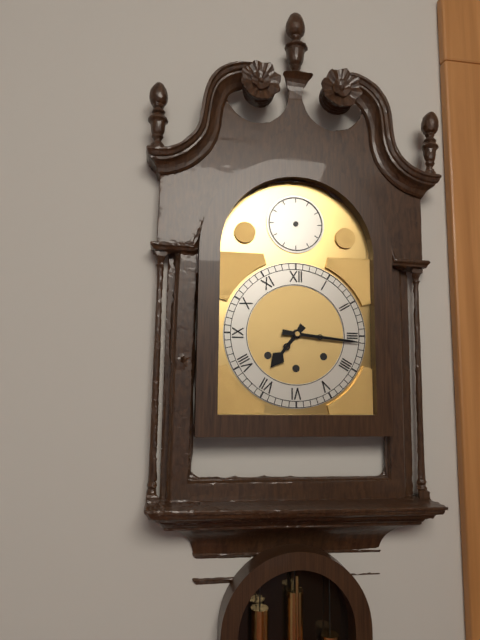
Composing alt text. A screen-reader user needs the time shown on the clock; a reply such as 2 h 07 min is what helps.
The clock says 7 h 16 min
